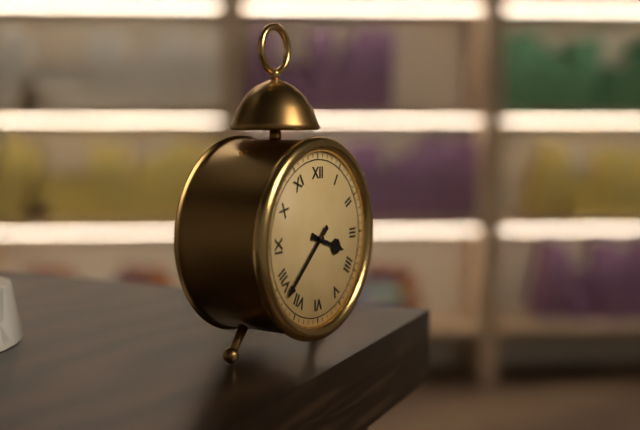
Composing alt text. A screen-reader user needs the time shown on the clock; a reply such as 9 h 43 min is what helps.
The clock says 3 h 38 min
